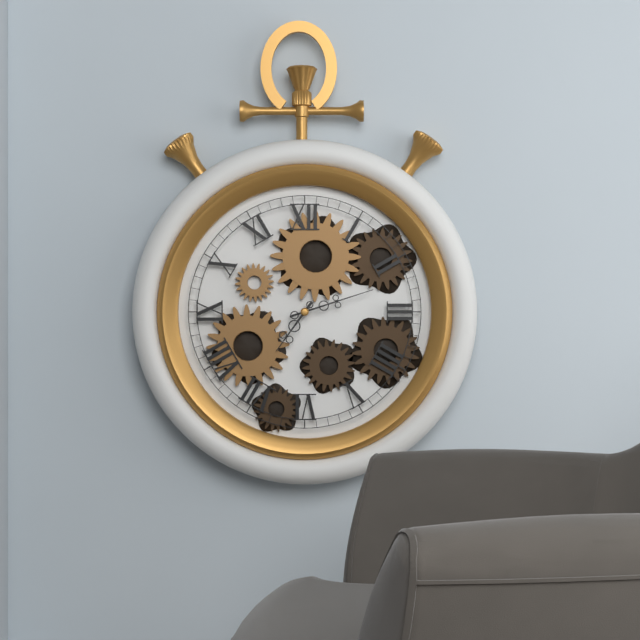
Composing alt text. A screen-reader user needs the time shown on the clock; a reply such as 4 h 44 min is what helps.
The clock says 7 h 12 min
